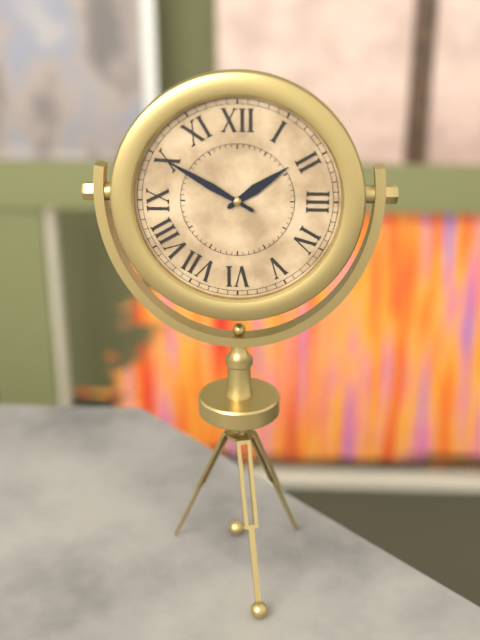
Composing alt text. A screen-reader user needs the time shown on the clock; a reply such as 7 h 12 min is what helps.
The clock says 1 h 50 min
